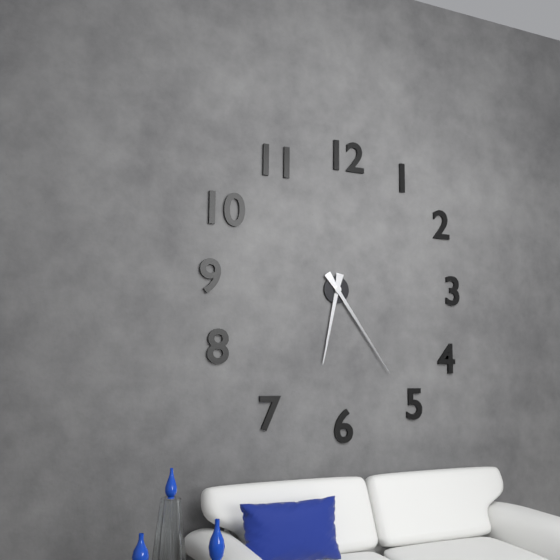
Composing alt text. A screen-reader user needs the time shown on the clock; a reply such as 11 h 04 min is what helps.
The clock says 6 h 24 min
